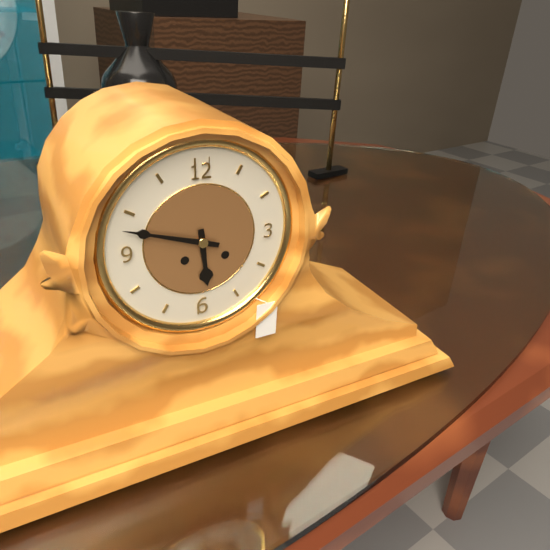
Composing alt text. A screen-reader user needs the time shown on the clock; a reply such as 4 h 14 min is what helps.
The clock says 5 h 48 min
